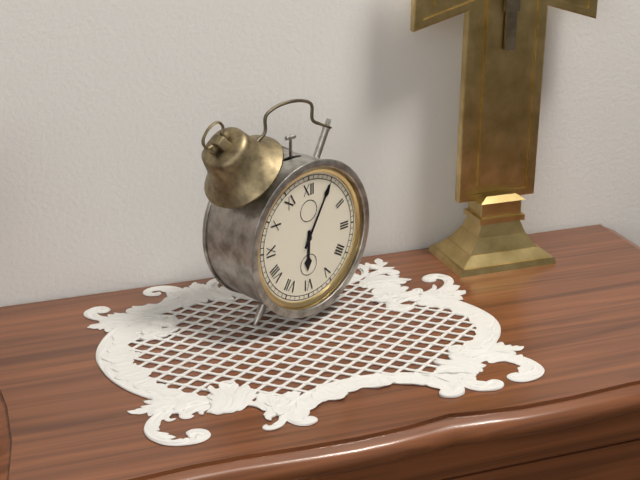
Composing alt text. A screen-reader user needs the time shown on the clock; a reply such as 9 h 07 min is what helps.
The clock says 6 h 05 min
